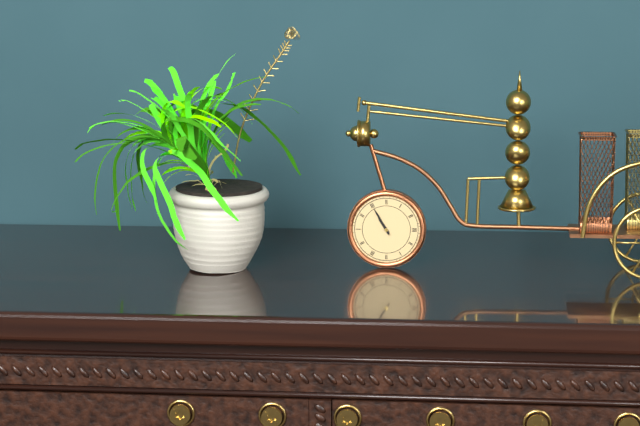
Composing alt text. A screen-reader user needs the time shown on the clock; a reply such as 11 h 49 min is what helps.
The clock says 10 h 55 min
